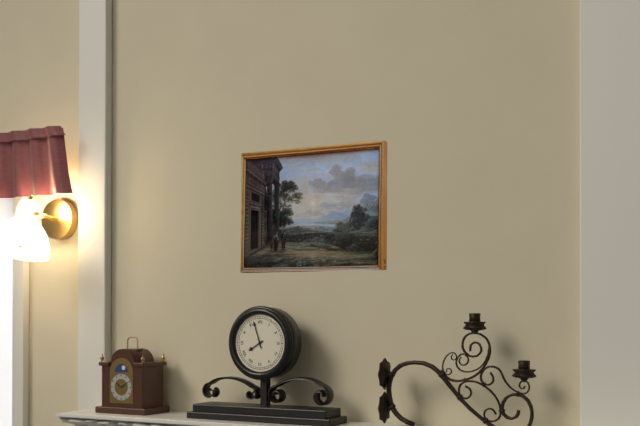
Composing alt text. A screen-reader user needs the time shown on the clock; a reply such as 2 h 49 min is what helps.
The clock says 7 h 57 min
